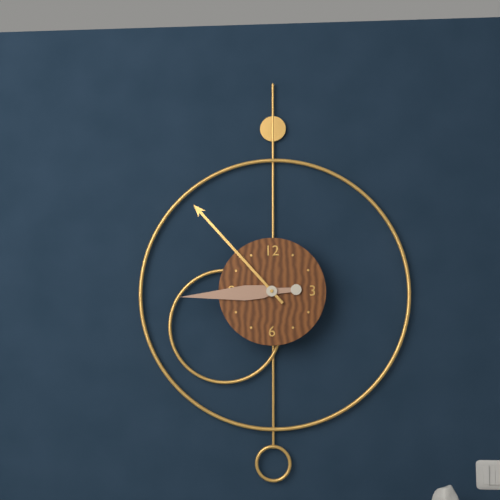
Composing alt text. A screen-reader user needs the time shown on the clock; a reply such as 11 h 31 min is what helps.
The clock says 8 h 53 min
